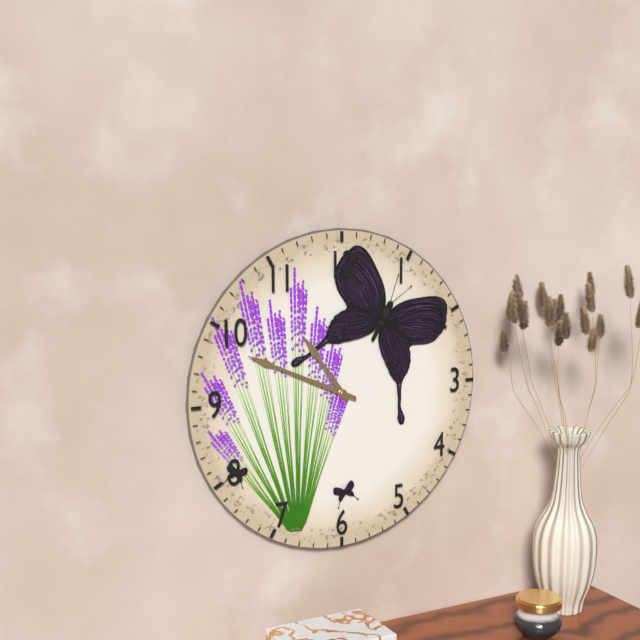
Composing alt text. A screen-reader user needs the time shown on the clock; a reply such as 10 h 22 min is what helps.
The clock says 10 h 49 min
